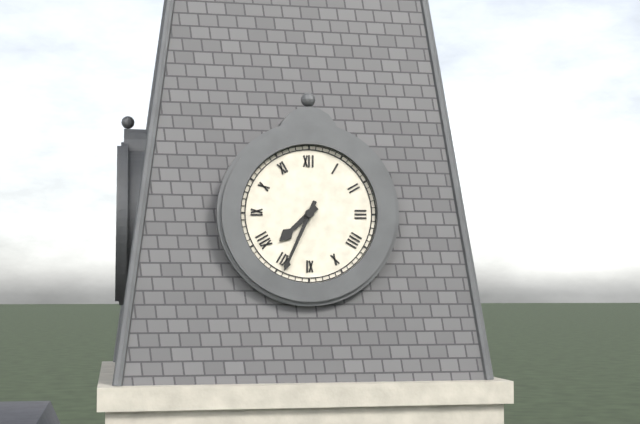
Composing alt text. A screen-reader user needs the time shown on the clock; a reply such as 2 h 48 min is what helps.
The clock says 7 h 34 min
